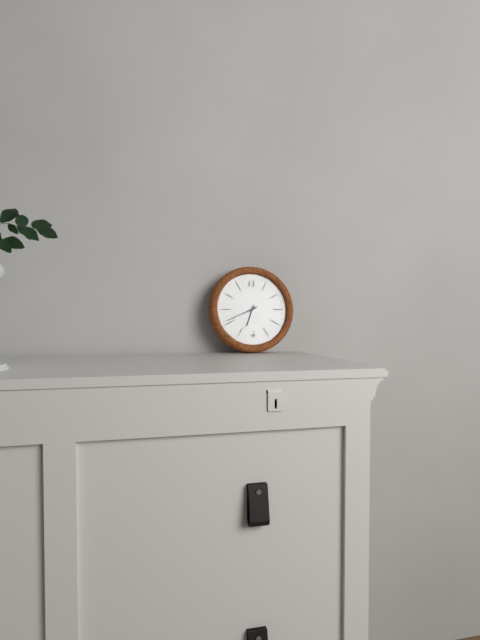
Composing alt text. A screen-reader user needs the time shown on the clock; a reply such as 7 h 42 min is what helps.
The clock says 6 h 41 min
